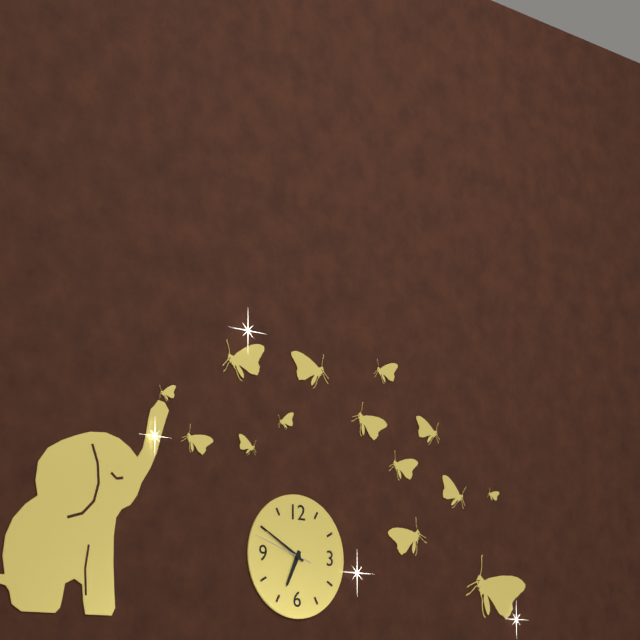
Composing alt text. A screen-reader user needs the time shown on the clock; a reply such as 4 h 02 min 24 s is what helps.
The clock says 6 h 50 min 48 s
